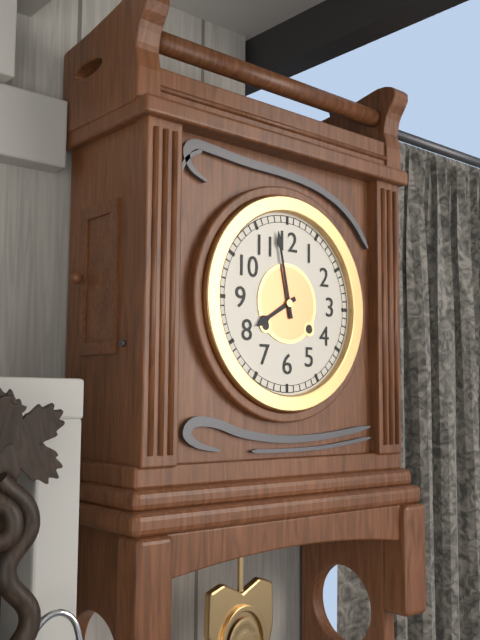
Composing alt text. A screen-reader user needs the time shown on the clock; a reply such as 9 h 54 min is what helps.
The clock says 7 h 58 min
